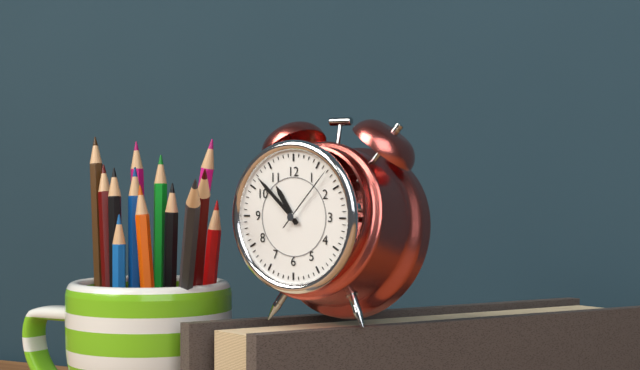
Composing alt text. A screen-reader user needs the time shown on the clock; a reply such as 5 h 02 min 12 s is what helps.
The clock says 10 h 52 min 07 s
